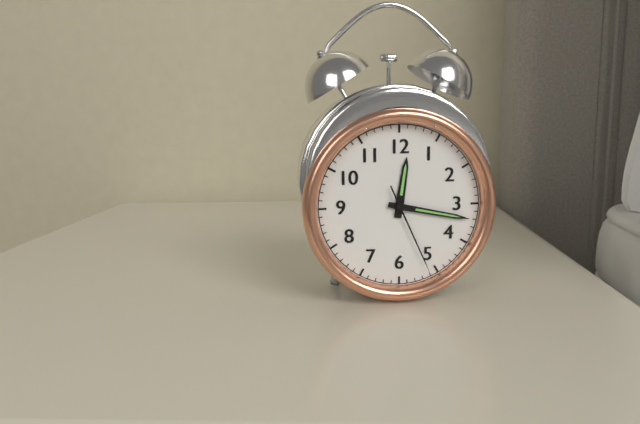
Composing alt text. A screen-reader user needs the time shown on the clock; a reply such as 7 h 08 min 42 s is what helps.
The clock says 12 h 17 min 26 s
